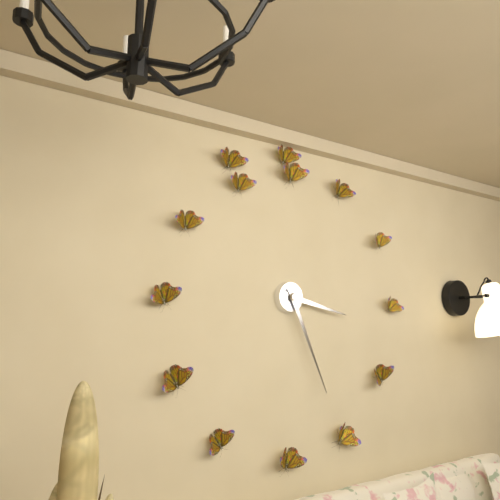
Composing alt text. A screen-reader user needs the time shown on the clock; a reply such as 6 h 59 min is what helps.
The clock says 3 h 26 min
